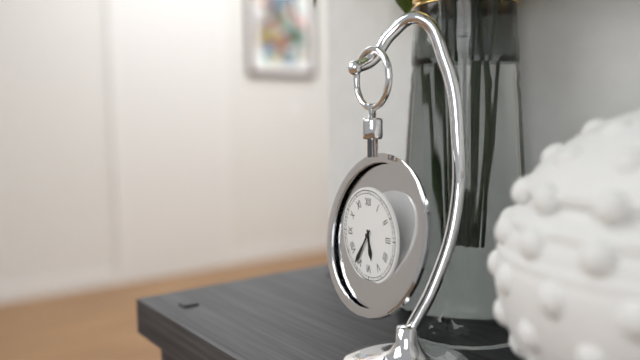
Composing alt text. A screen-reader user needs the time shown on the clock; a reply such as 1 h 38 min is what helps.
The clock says 5 h 36 min
